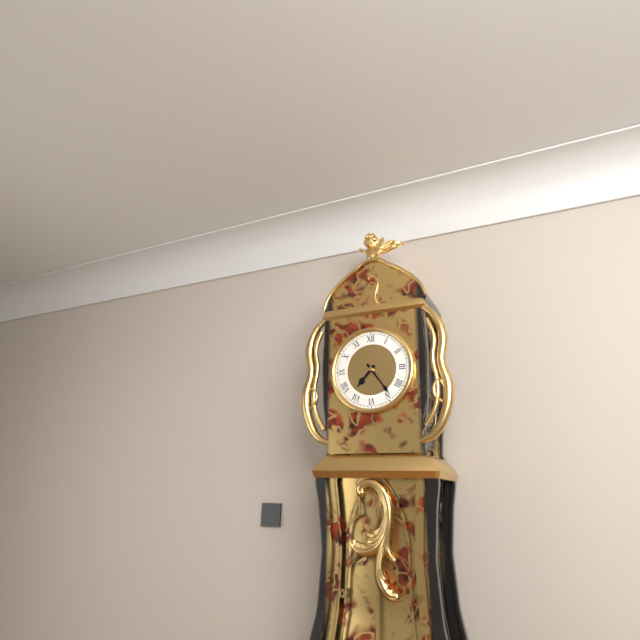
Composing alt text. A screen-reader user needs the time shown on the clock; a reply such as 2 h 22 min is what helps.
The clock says 7 h 24 min
